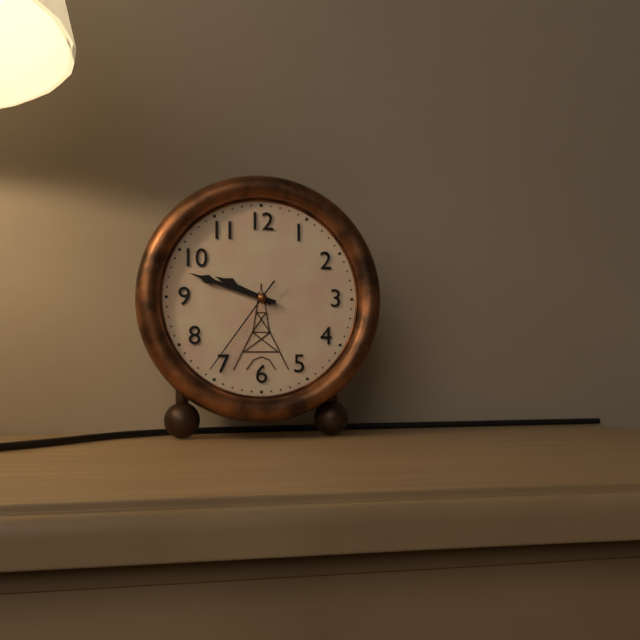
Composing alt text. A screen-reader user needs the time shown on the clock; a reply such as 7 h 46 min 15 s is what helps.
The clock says 9 h 48 min 36 s
